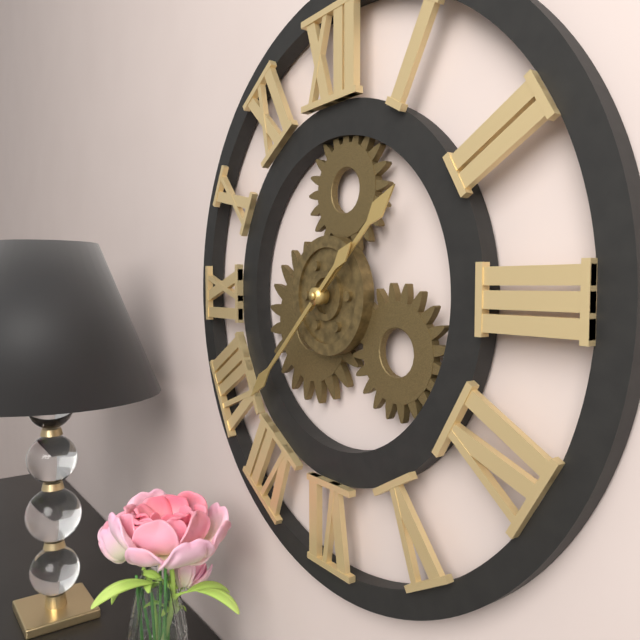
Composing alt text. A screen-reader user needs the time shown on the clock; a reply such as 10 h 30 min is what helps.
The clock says 1 h 38 min
